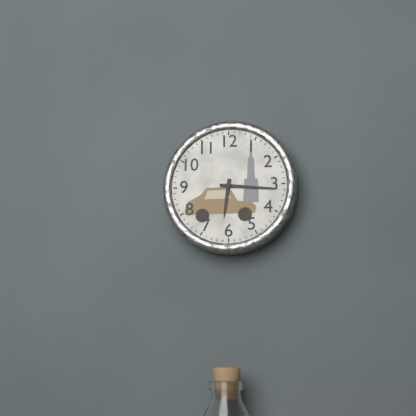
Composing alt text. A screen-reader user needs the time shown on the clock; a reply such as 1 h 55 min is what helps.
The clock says 6 h 16 min
